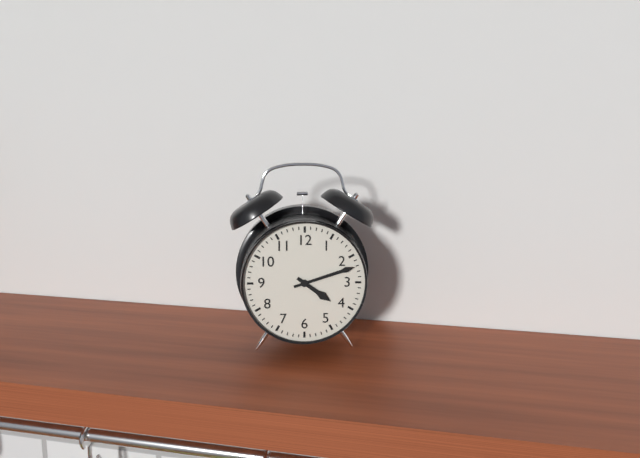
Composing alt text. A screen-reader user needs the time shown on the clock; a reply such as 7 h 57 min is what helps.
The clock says 4 h 12 min
